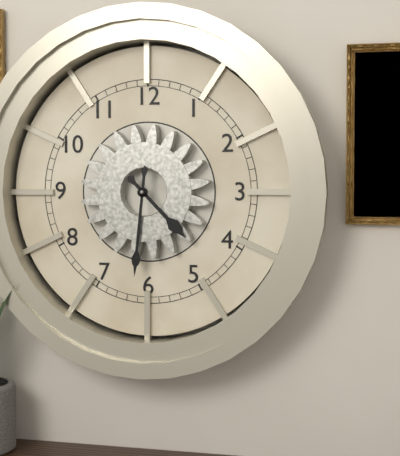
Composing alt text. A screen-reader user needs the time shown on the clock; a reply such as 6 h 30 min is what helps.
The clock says 4 h 31 min
